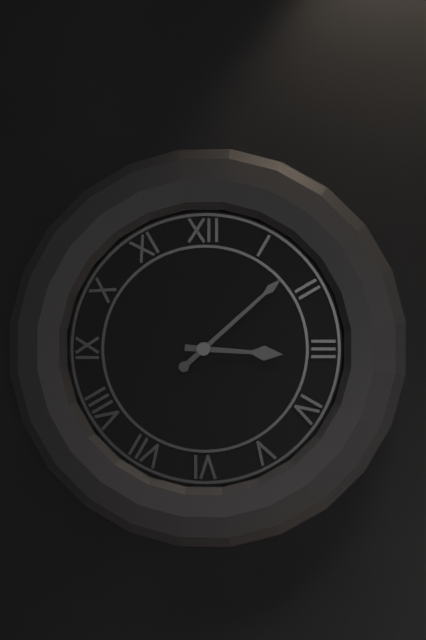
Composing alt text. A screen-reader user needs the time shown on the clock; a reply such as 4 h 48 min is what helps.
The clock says 3 h 08 min
